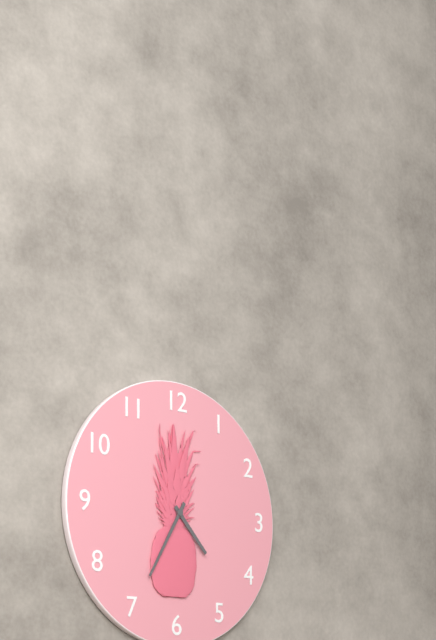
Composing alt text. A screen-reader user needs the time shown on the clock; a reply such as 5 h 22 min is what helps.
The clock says 4 h 35 min
